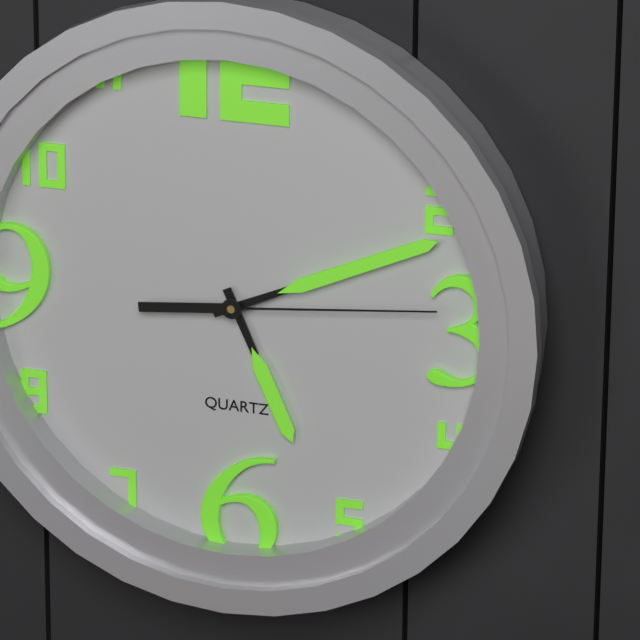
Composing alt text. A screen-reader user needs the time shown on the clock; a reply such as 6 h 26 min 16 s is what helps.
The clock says 5 h 11 min 14 s
